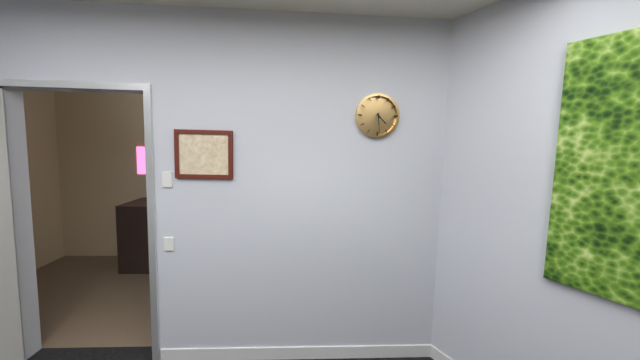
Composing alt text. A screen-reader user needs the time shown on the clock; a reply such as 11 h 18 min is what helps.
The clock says 4 h 29 min
